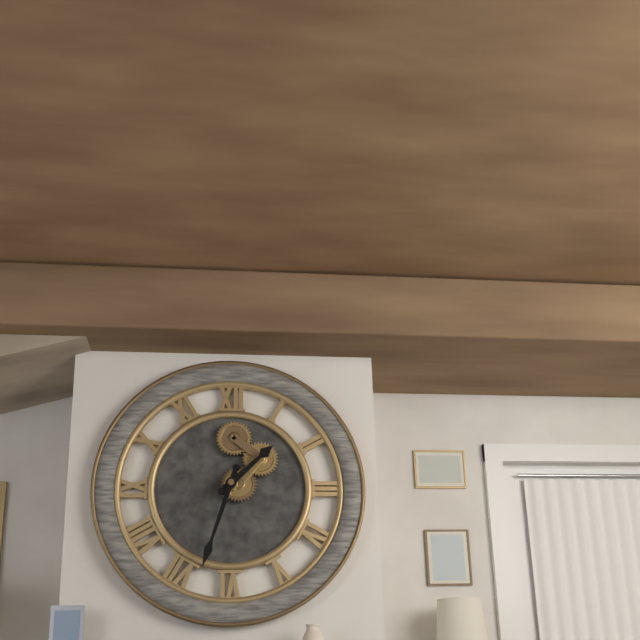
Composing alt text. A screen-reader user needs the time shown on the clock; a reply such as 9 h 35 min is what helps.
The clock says 1 h 33 min
